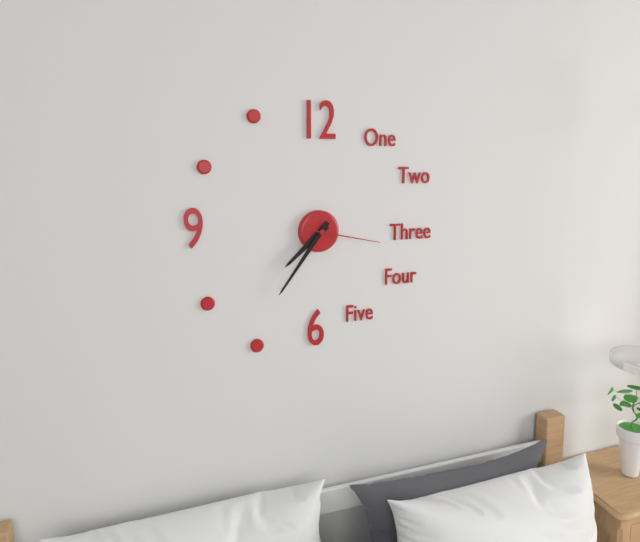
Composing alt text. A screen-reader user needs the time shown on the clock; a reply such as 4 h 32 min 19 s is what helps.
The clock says 7 h 36 min 17 s
